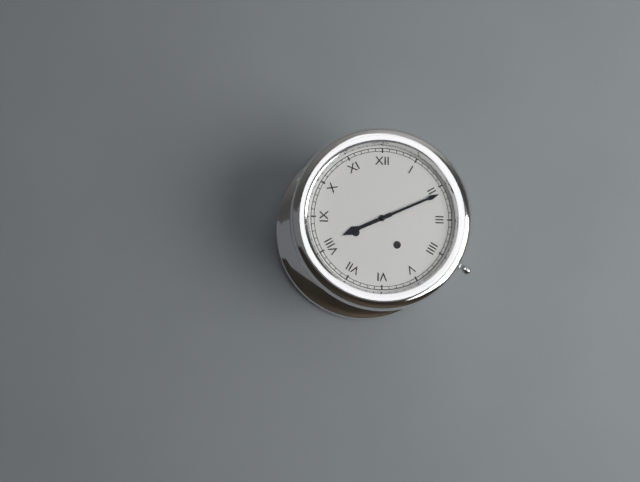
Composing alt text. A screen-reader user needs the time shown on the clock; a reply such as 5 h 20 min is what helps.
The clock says 8 h 11 min
